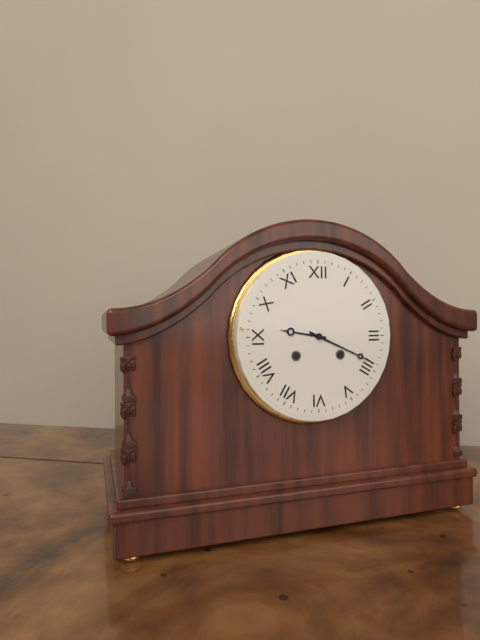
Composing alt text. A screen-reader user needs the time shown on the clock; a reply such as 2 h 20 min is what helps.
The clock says 9 h 19 min
